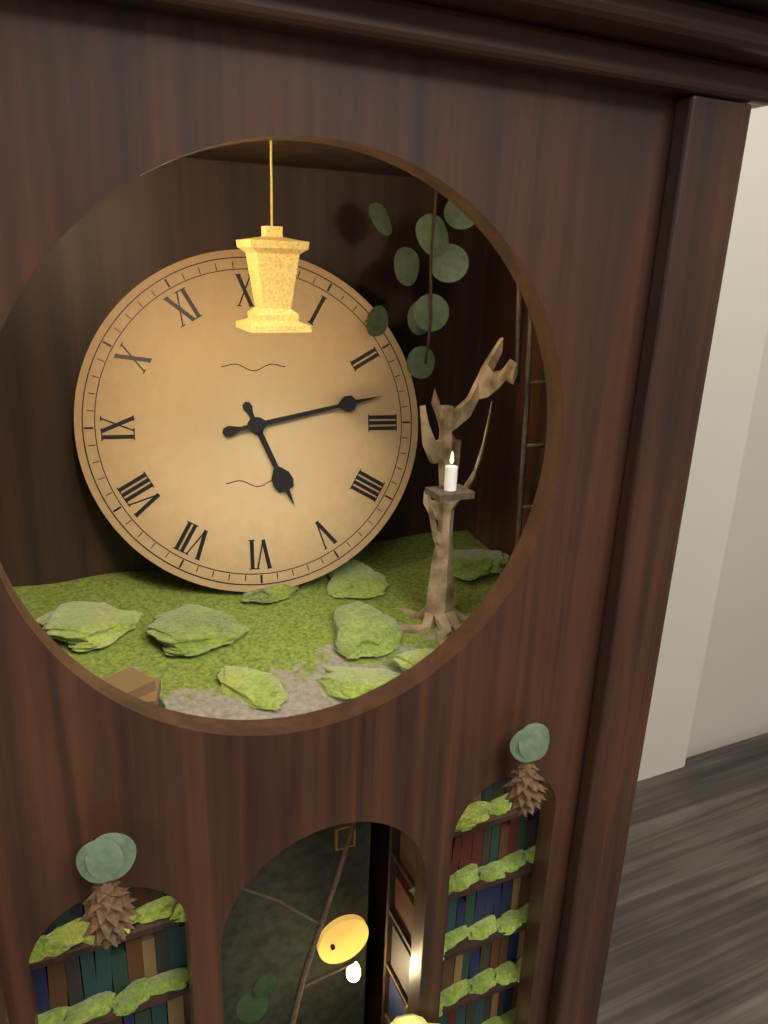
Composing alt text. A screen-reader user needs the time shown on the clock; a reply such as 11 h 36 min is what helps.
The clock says 5 h 13 min
